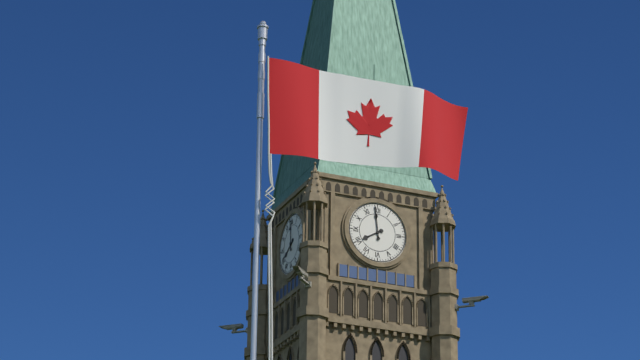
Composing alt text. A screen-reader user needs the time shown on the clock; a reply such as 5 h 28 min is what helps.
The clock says 7 h 59 min
